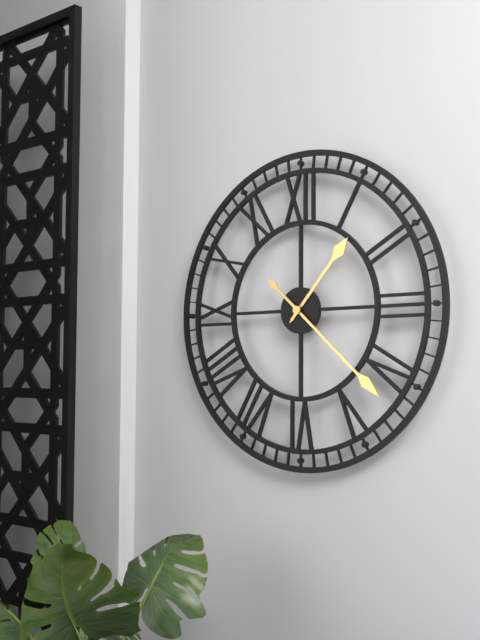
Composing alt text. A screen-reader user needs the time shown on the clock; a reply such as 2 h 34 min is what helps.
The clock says 1 h 22 min
